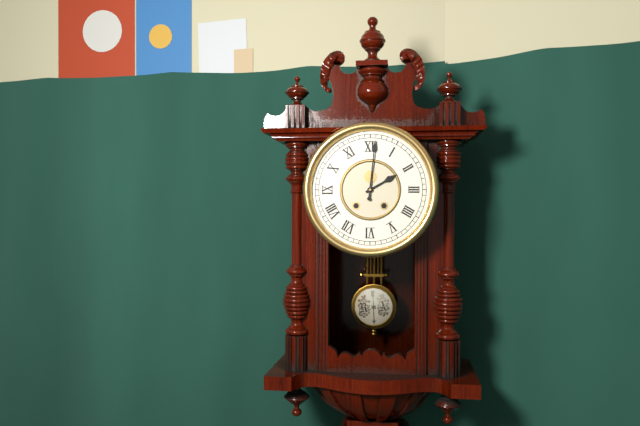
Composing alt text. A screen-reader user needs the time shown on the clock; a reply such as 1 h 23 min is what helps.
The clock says 2 h 01 min
